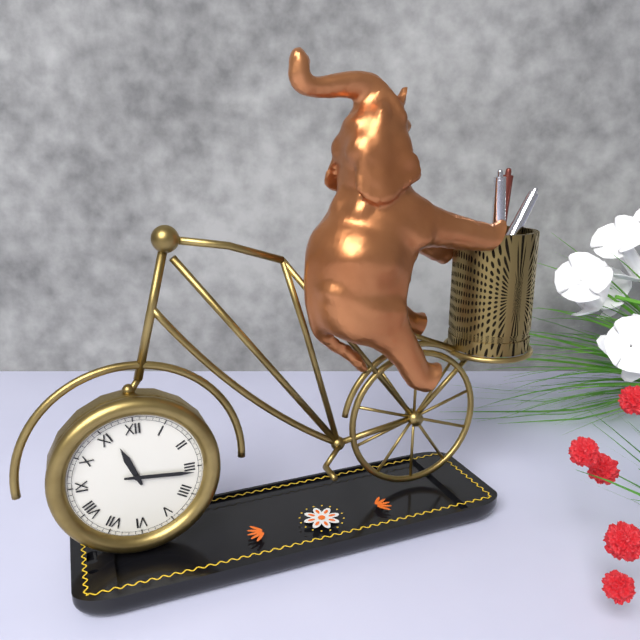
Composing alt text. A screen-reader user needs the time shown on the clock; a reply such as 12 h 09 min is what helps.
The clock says 11 h 16 min
